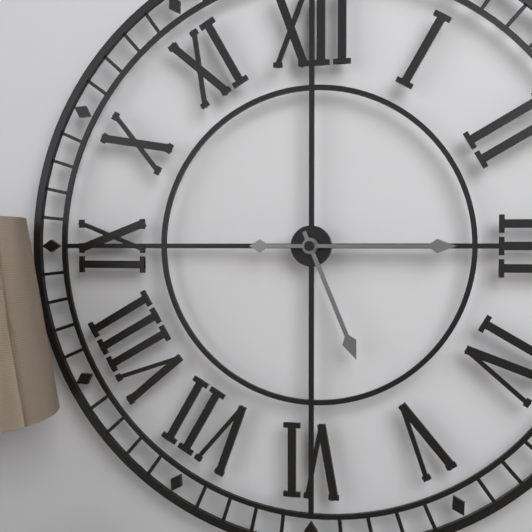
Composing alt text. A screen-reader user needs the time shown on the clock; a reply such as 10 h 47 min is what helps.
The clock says 5 h 15 min
